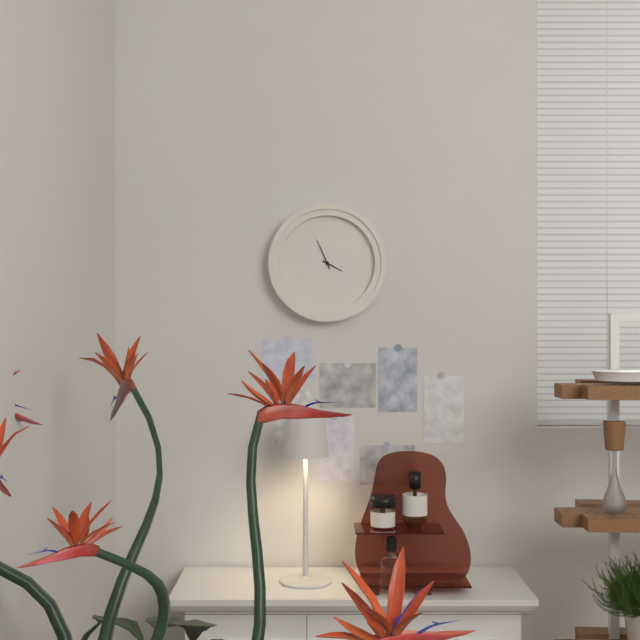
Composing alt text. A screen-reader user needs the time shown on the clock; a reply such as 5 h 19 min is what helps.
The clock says 3 h 56 min
